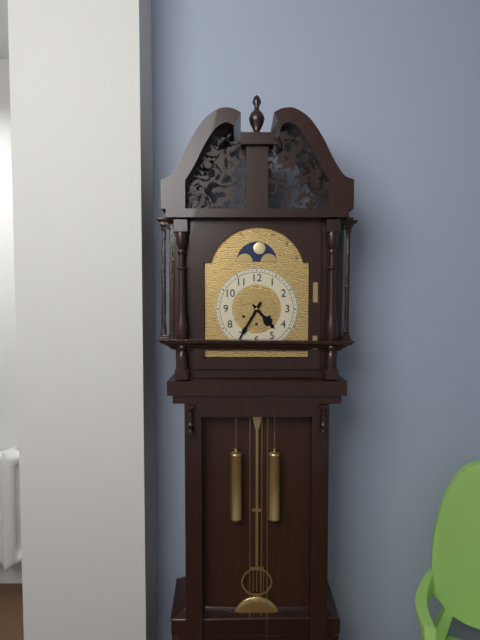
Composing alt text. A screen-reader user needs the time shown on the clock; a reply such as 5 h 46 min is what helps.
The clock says 4 h 35 min
